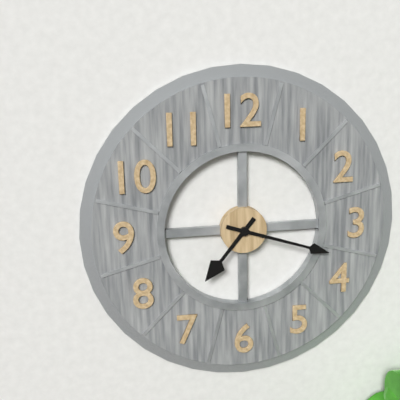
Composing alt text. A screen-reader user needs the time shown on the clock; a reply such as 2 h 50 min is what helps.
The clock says 7 h 18 min
